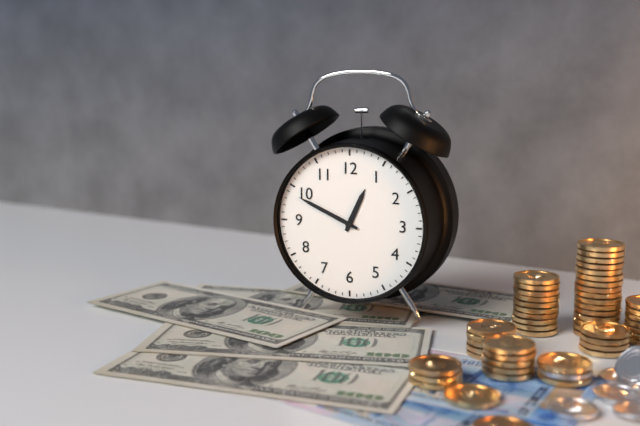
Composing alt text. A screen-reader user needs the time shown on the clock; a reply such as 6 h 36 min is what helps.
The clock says 12 h 49 min
